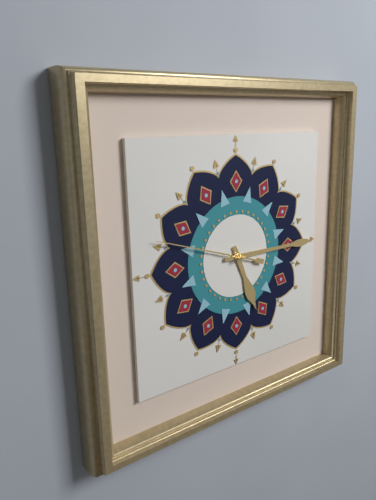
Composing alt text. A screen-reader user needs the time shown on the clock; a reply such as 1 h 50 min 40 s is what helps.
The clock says 5 h 15 min 48 s
